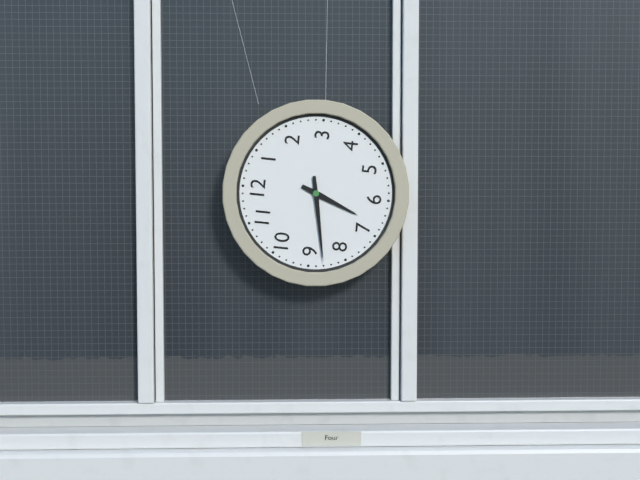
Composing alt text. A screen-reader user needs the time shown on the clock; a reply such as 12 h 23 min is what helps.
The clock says 6 h 43 min
